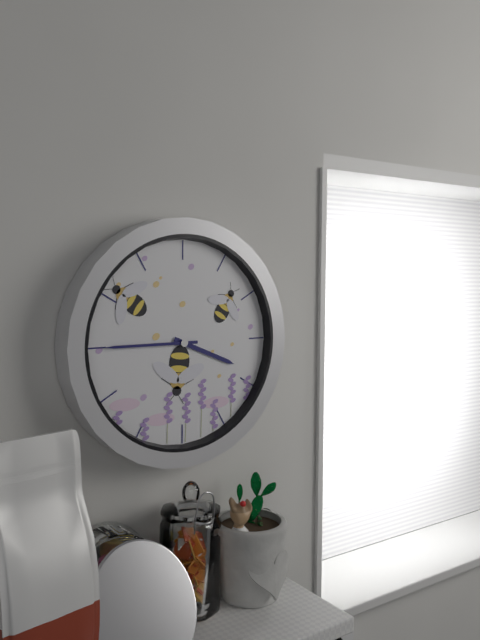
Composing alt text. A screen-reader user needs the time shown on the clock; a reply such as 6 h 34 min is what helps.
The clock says 3 h 45 min
